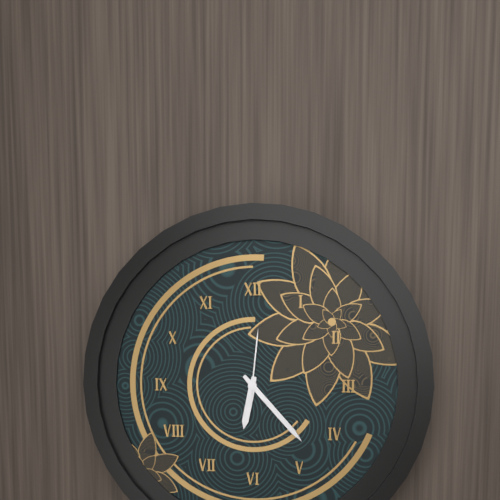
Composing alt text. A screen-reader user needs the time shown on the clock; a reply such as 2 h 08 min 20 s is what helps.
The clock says 6 h 23 min 01 s
